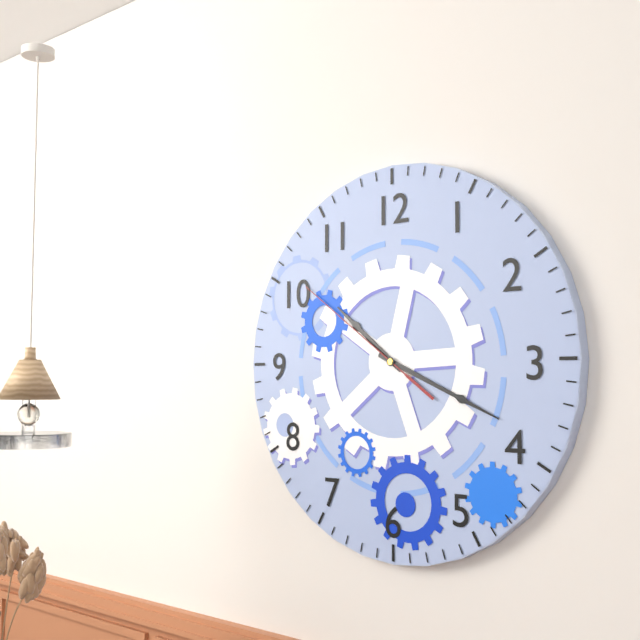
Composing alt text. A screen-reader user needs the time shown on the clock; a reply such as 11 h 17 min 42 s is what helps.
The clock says 10 h 19 min 51 s
